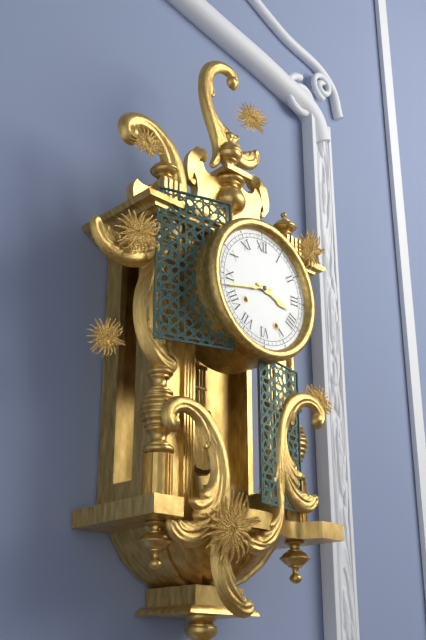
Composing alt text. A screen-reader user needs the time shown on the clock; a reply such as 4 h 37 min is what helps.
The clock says 3 h 43 min
